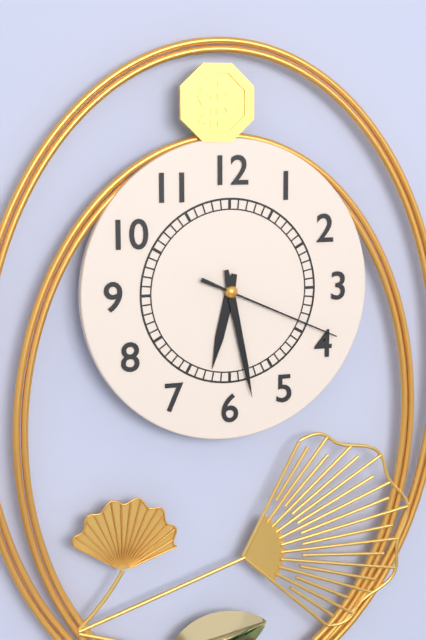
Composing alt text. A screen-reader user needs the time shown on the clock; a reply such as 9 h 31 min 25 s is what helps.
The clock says 6 h 28 min 19 s
